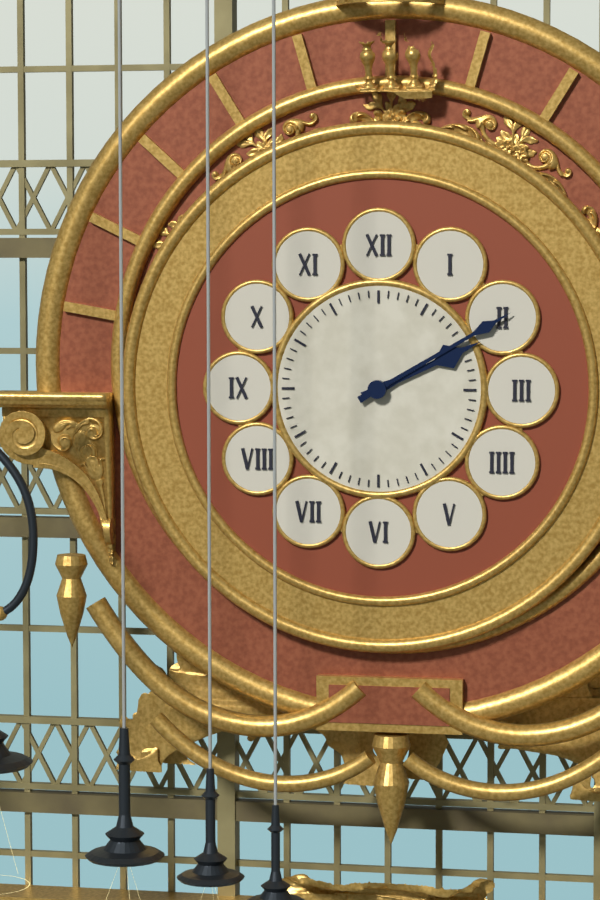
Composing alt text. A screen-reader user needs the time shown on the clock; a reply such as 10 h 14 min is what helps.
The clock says 2 h 10 min
